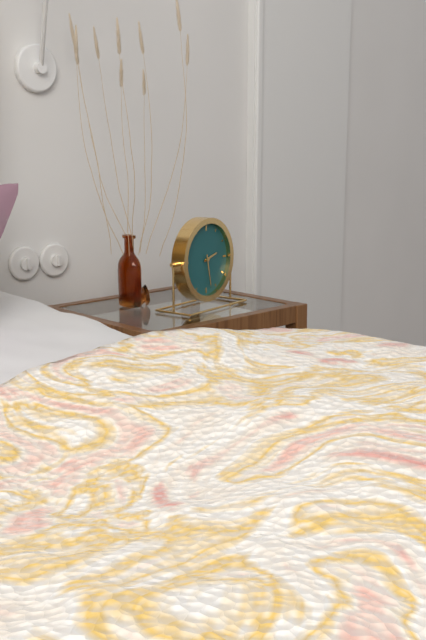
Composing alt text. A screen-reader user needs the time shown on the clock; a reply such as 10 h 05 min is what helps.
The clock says 2 h 28 min
